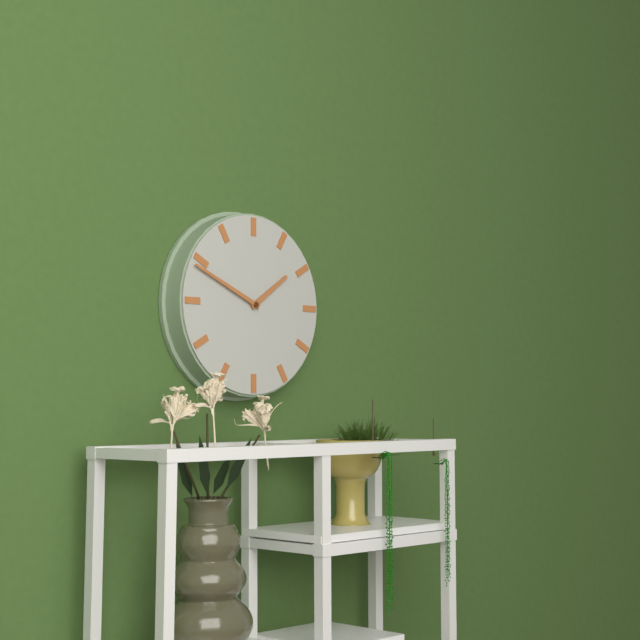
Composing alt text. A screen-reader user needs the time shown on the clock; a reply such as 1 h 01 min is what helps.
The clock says 1 h 49 min
